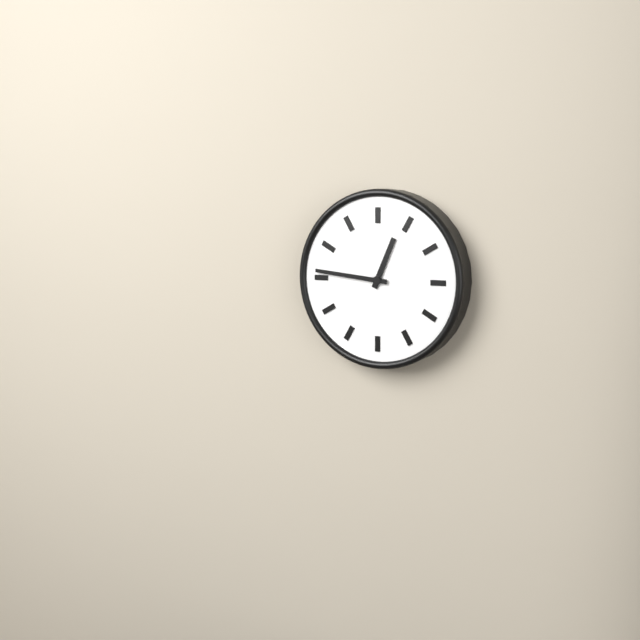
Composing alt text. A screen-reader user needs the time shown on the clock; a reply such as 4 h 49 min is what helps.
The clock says 12 h 46 min
